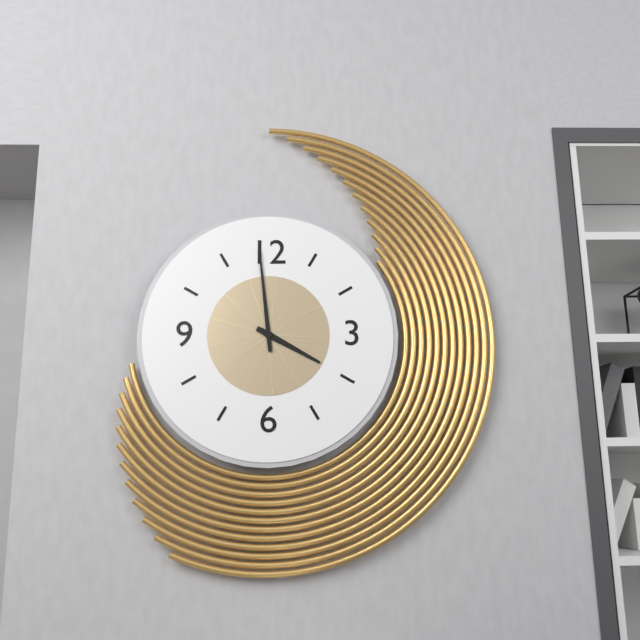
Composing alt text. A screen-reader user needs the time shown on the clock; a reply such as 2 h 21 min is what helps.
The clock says 3 h 59 min
